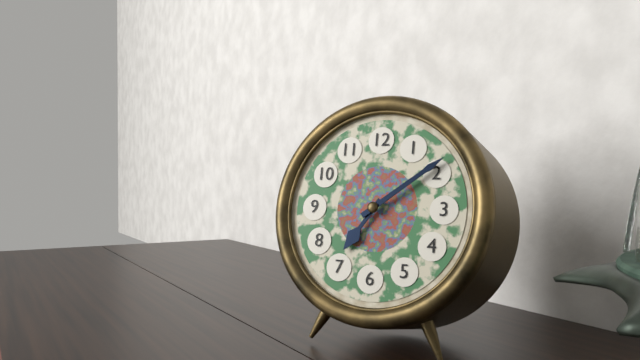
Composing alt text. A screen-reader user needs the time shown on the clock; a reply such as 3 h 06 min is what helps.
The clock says 7 h 09 min
